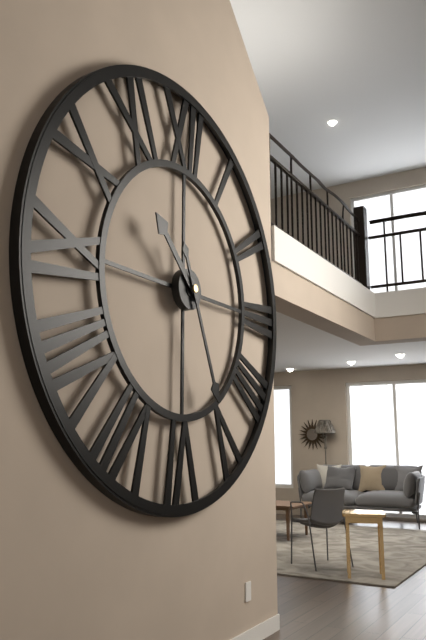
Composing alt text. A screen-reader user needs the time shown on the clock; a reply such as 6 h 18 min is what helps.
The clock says 10 h 26 min
